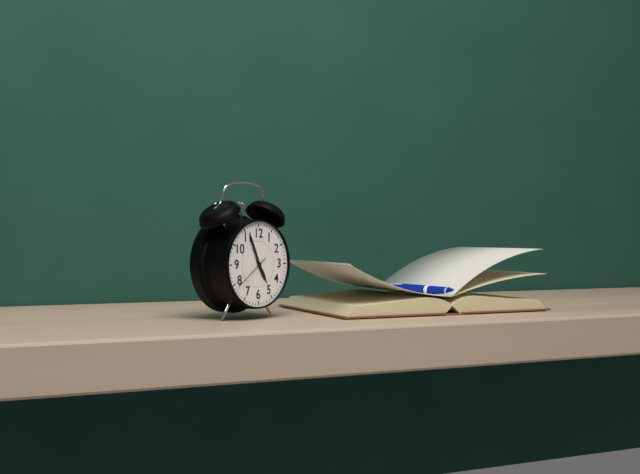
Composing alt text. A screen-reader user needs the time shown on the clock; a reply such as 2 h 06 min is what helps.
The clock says 4 h 56 min
